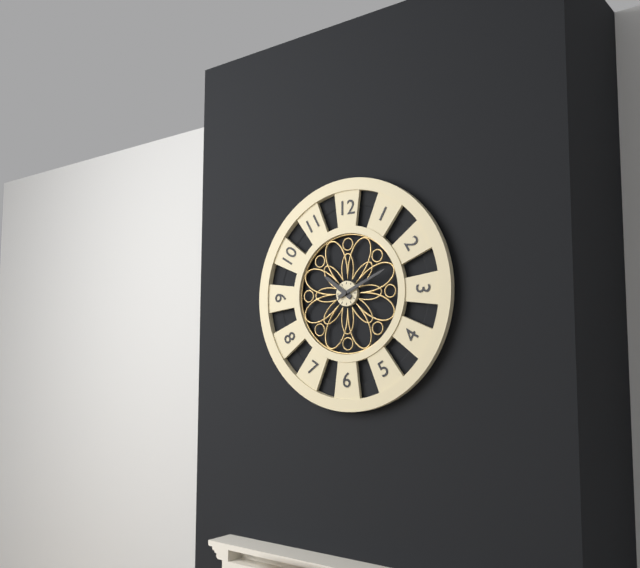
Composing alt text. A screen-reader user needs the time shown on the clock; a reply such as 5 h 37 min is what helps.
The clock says 10 h 11 min
